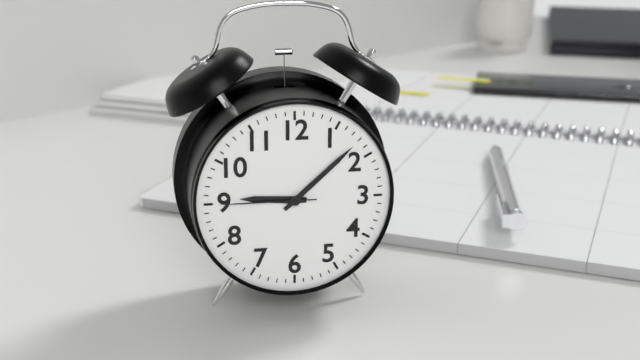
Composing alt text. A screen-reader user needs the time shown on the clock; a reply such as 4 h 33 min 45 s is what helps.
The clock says 9 h 08 min 45 s
